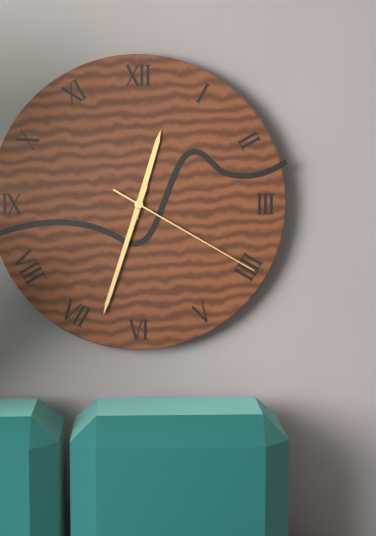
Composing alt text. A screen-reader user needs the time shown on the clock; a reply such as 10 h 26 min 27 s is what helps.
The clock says 12 h 33 min 20 s
